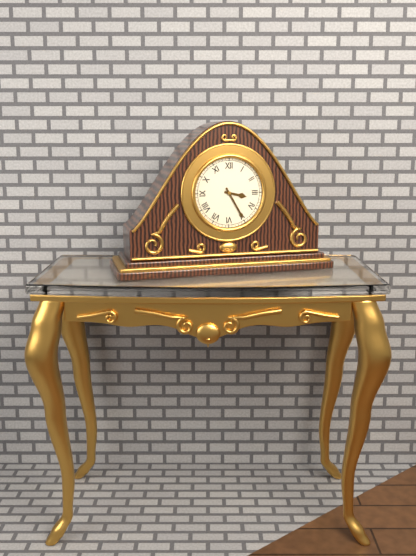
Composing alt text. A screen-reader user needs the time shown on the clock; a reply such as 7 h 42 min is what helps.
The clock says 3 h 25 min
